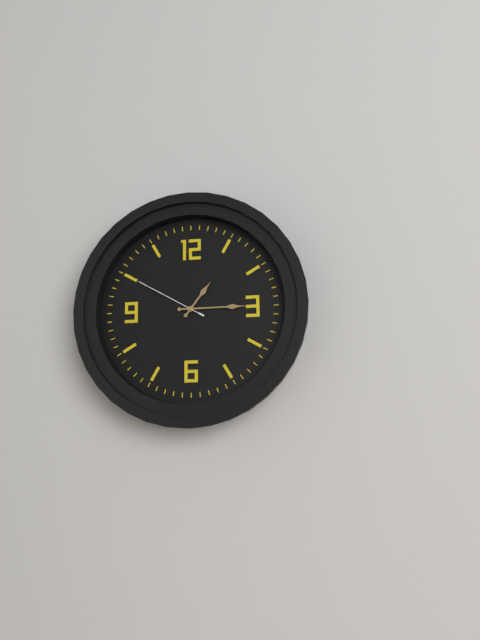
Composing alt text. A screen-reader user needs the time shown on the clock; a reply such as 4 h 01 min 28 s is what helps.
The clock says 1 h 15 min 50 s
